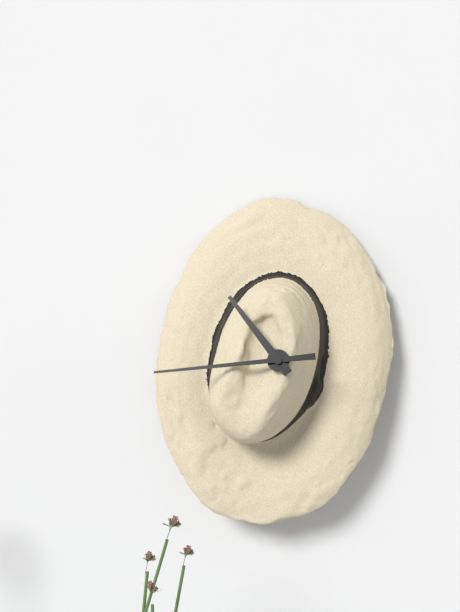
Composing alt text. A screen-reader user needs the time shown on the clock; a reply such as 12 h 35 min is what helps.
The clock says 10 h 44 min
